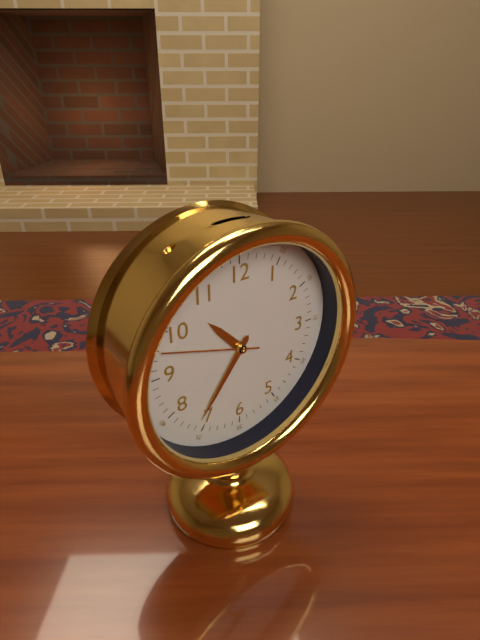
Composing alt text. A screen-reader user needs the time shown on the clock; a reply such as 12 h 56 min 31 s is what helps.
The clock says 10 h 36 min 48 s
